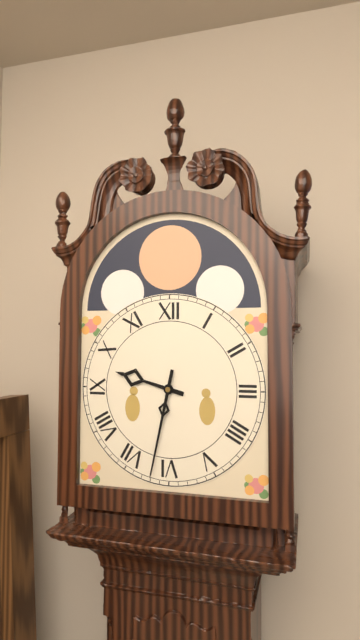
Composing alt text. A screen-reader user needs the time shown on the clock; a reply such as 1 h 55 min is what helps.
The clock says 9 h 32 min
